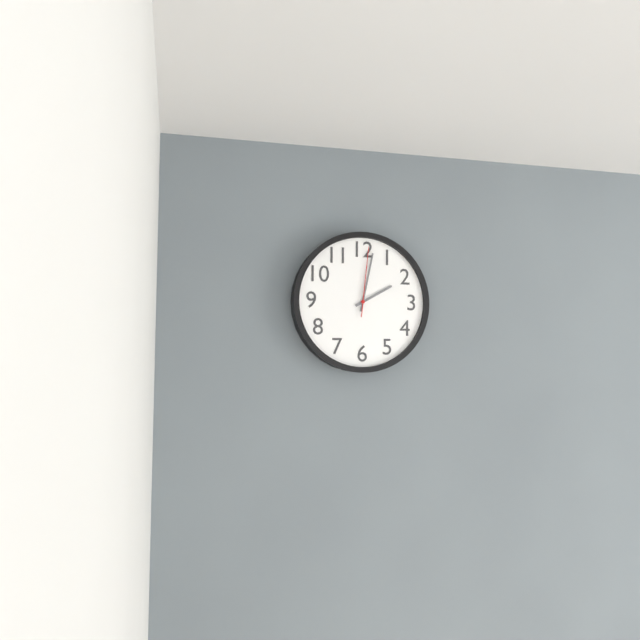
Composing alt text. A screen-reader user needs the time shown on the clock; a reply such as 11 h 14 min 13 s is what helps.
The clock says 2 h 02 min 01 s
